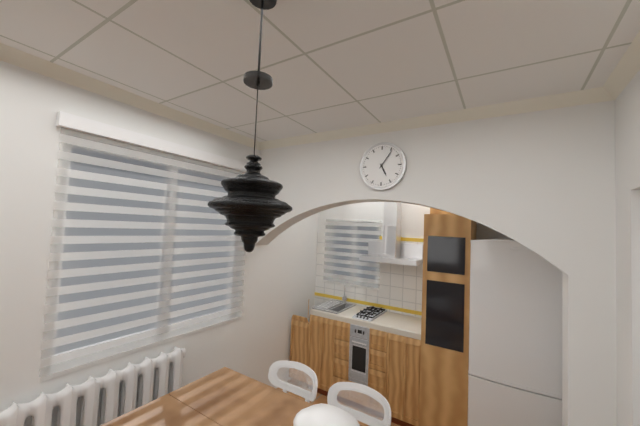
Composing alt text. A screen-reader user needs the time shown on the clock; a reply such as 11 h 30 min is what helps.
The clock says 5 h 06 min
